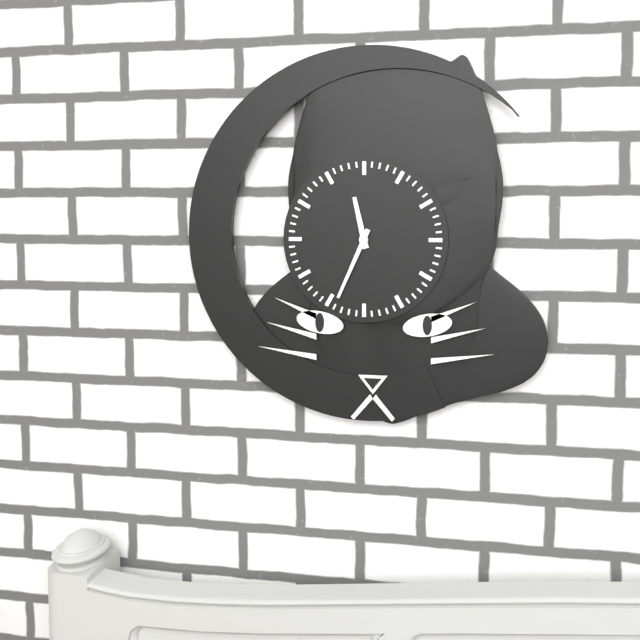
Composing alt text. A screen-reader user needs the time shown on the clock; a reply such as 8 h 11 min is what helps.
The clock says 11 h 34 min
